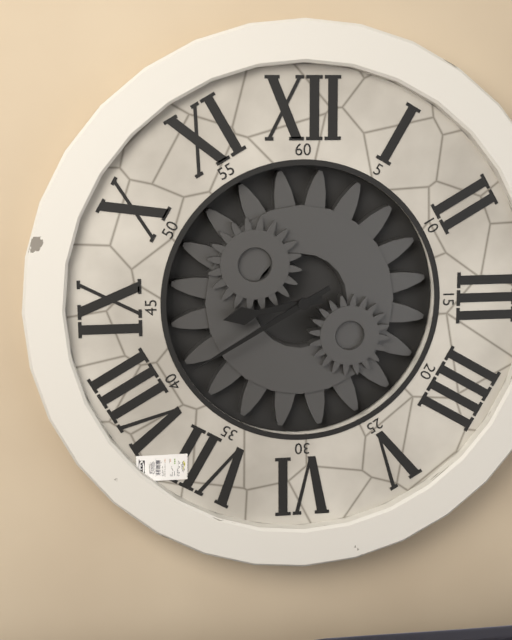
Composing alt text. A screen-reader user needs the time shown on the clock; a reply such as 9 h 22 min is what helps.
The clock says 8 h 40 min
